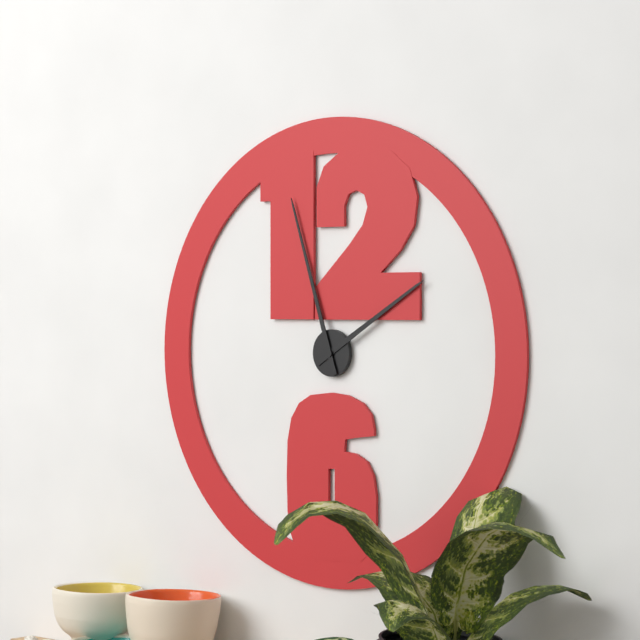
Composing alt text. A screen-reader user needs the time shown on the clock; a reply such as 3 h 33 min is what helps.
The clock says 1 h 57 min
